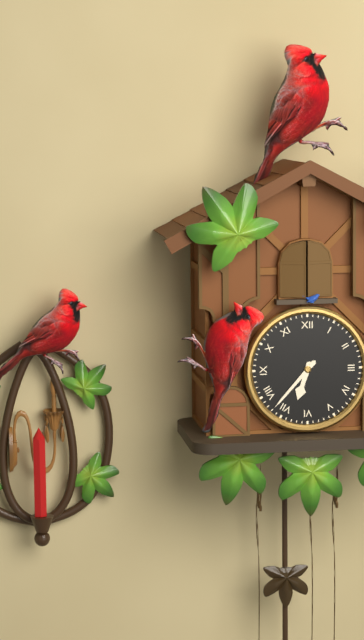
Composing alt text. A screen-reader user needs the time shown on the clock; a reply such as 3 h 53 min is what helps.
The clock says 6 h 37 min
